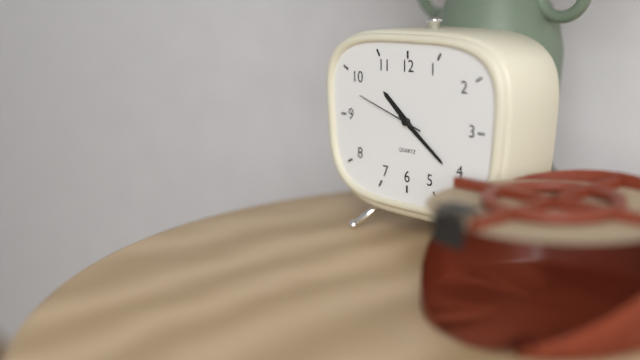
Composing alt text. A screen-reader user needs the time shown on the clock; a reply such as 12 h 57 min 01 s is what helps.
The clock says 10 h 21 min 48 s
